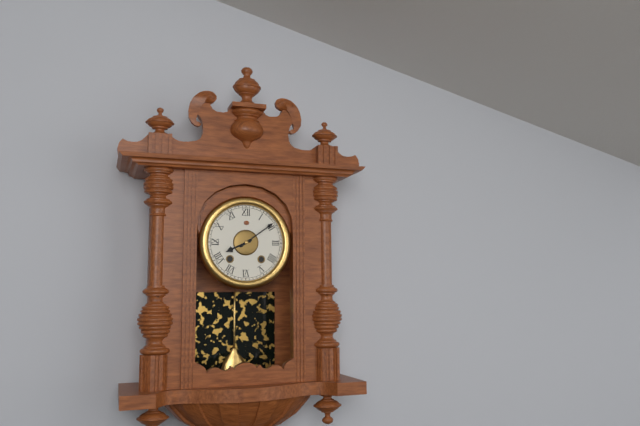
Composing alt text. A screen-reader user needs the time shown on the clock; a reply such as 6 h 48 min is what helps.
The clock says 8 h 09 min
